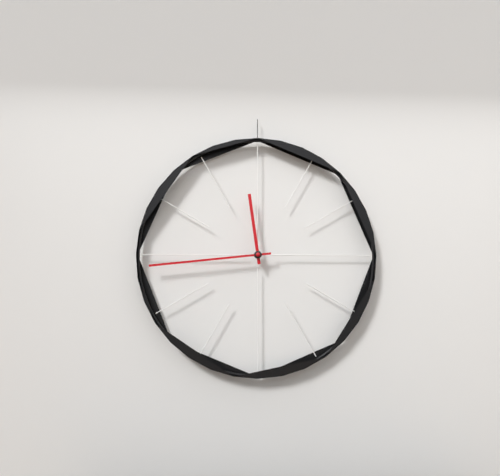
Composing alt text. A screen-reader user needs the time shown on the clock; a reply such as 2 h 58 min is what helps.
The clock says 11 h 44 min
